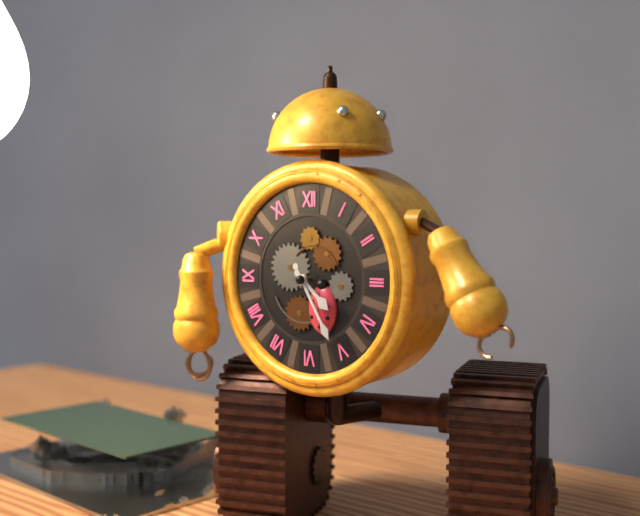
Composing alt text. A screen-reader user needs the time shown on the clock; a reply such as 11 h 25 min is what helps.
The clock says 4 h 25 min
